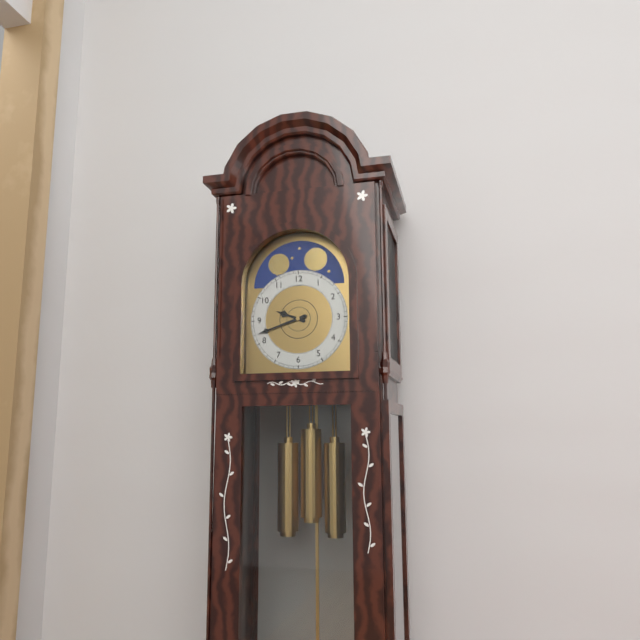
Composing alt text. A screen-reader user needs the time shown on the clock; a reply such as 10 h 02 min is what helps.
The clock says 9 h 42 min
